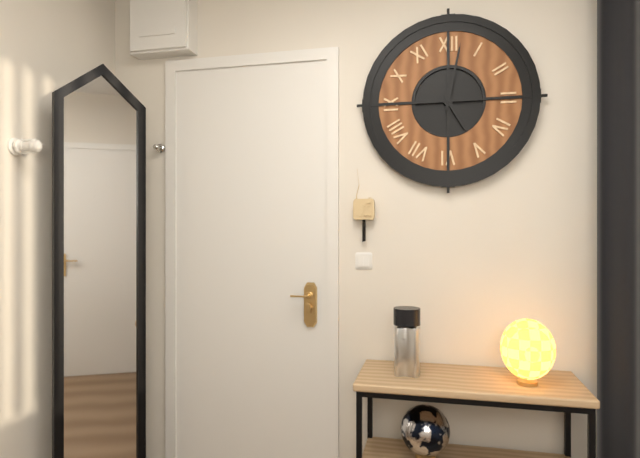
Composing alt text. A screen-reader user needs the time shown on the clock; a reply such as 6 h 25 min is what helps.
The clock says 5 h 02 min
